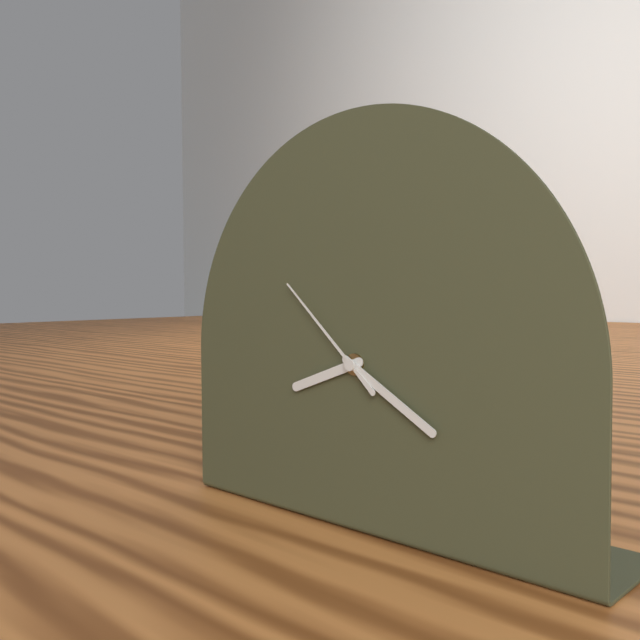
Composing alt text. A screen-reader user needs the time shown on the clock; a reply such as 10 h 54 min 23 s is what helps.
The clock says 8 h 20 min 52 s
